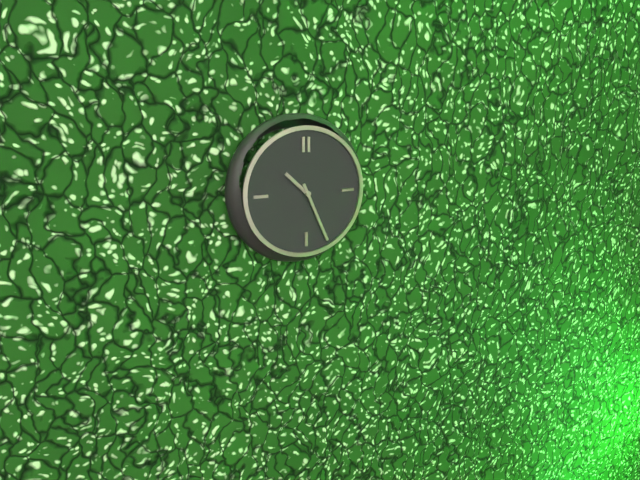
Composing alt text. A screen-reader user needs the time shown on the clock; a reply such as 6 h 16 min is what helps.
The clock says 10 h 26 min
